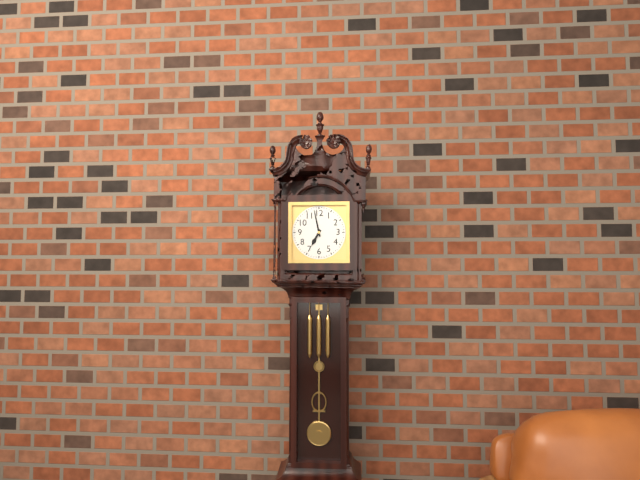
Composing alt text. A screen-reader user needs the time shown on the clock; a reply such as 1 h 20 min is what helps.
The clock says 6 h 58 min
